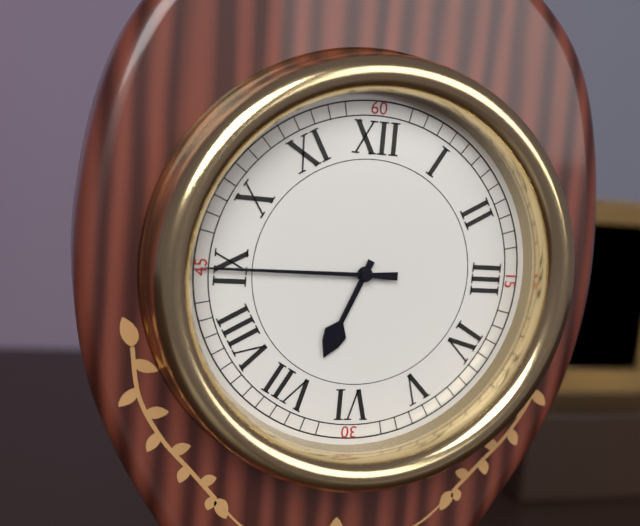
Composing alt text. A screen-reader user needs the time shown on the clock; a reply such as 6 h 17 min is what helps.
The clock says 6 h 45 min
